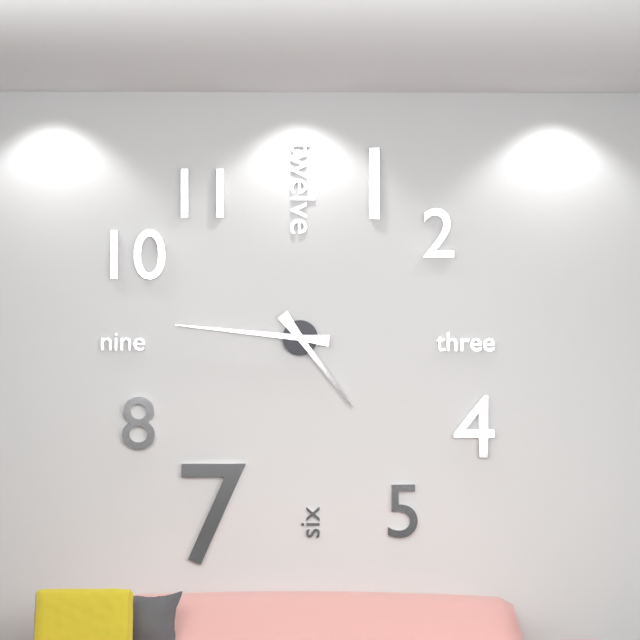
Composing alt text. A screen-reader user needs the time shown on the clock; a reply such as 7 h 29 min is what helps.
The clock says 4 h 46 min
